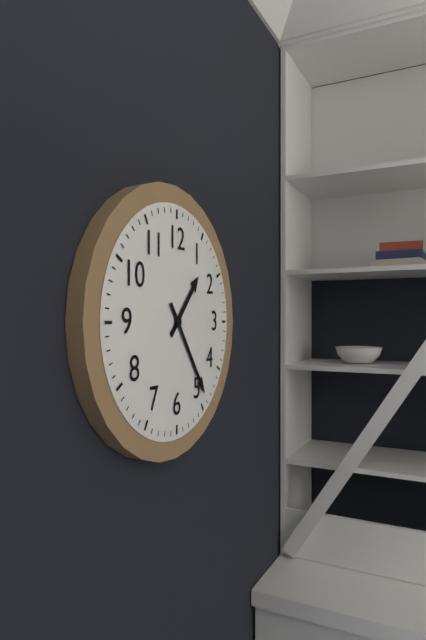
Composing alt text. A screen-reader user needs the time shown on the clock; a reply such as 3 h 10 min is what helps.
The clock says 1 h 24 min
